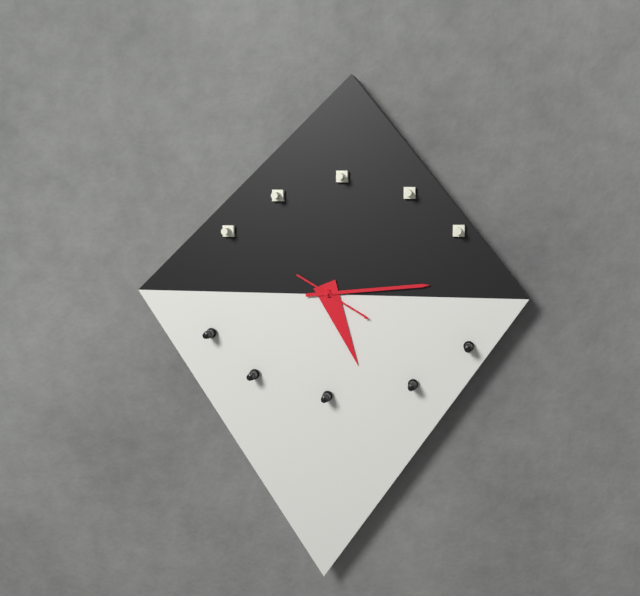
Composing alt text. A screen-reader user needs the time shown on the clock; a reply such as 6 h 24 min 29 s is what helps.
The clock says 5 h 14 min 20 s
